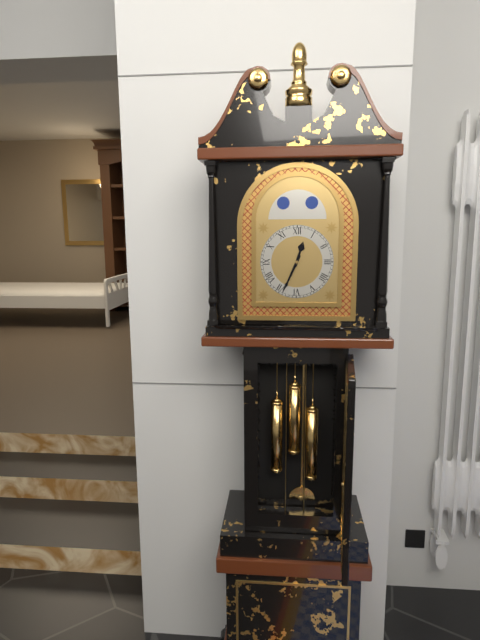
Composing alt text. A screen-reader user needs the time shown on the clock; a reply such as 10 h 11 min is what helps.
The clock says 12 h 34 min
